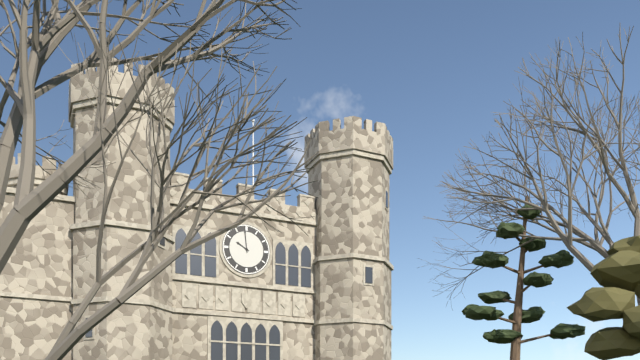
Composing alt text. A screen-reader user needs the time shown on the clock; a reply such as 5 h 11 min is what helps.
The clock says 9 h 59 min
